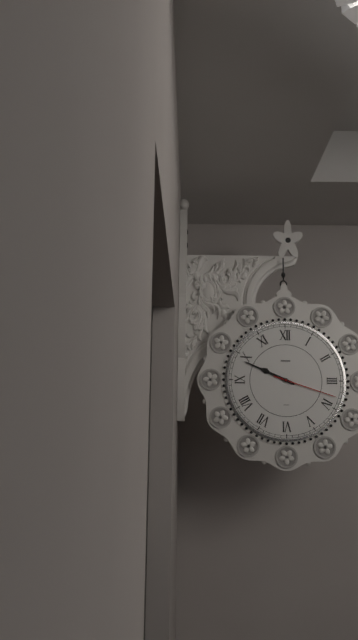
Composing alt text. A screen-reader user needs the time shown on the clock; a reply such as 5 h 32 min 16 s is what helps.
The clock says 9 h 49 min 18 s
